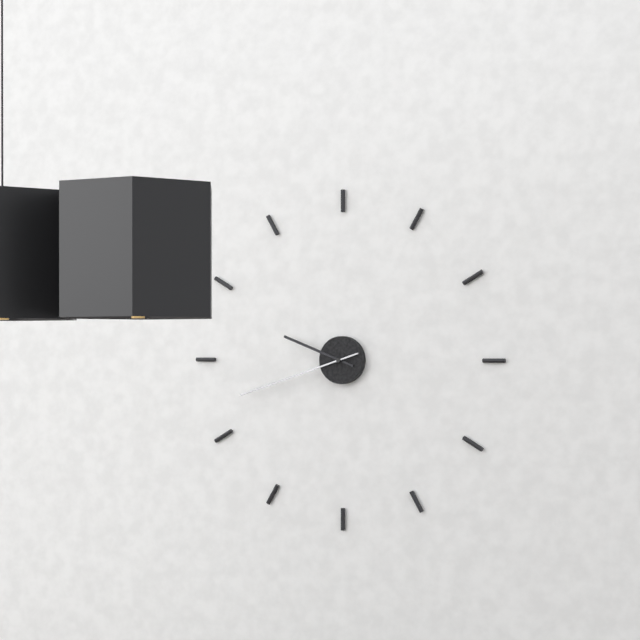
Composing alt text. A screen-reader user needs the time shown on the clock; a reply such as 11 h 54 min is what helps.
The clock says 9 h 42 min
